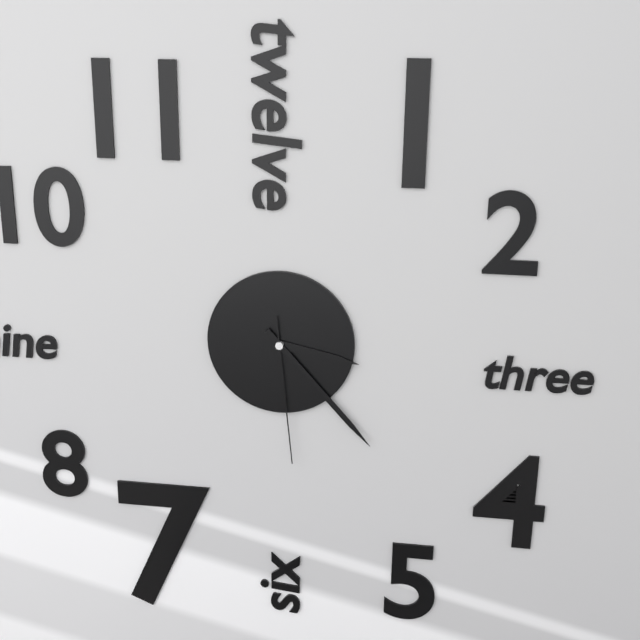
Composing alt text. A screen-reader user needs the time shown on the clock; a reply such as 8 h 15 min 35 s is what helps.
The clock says 3 h 23 min 29 s
